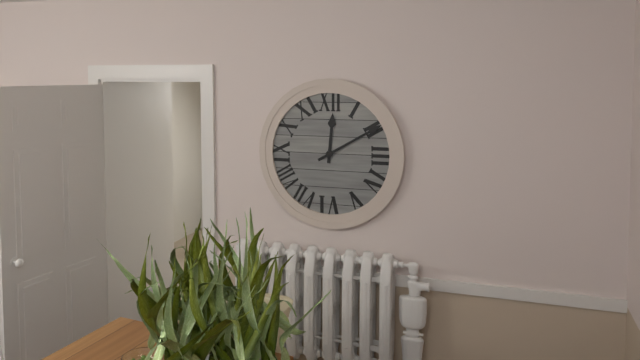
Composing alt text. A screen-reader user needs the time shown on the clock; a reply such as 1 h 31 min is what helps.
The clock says 12 h 10 min
